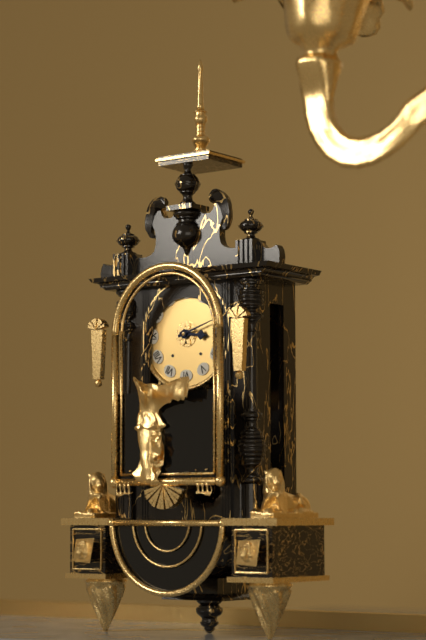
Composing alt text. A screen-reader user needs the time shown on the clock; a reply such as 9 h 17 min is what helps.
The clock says 3 h 12 min
